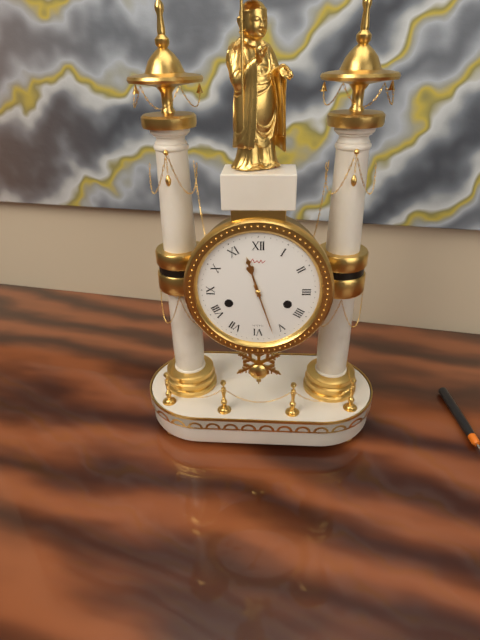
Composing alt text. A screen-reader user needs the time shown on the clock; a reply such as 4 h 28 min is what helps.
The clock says 11 h 27 min
